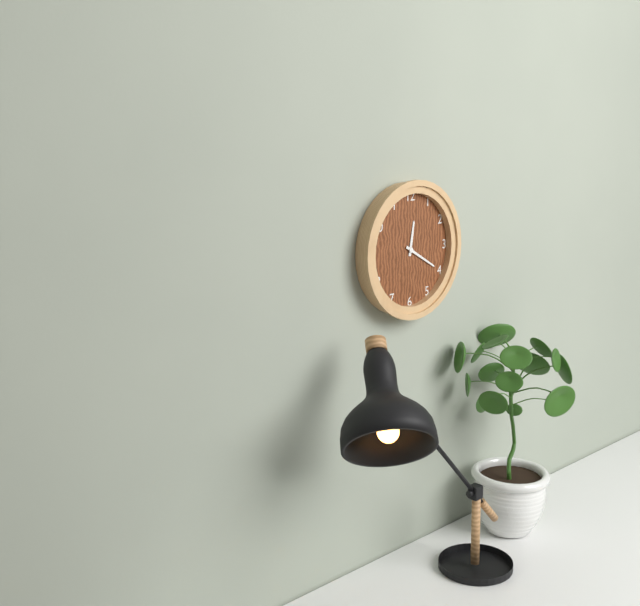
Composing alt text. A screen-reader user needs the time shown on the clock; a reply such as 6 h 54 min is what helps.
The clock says 12 h 20 min
